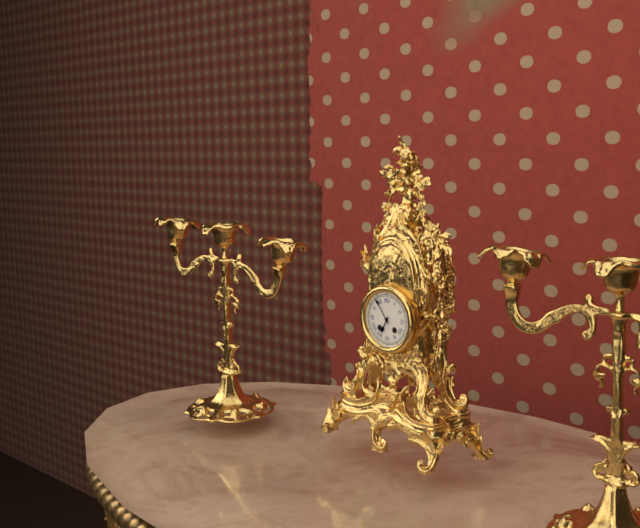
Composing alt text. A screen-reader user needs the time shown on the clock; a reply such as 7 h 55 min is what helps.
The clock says 6 h 54 min
